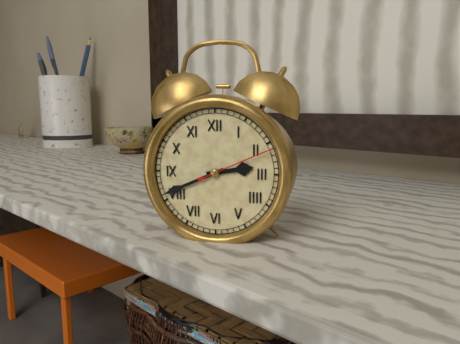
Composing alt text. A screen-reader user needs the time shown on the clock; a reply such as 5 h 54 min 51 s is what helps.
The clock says 2 h 41 min 11 s
